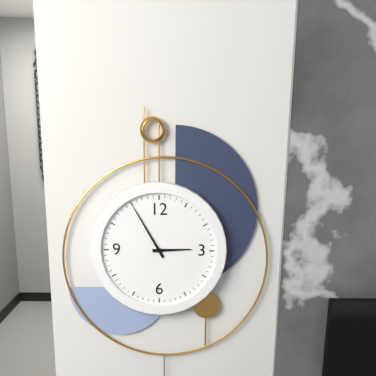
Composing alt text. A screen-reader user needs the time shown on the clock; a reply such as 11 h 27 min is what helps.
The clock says 2 h 55 min
